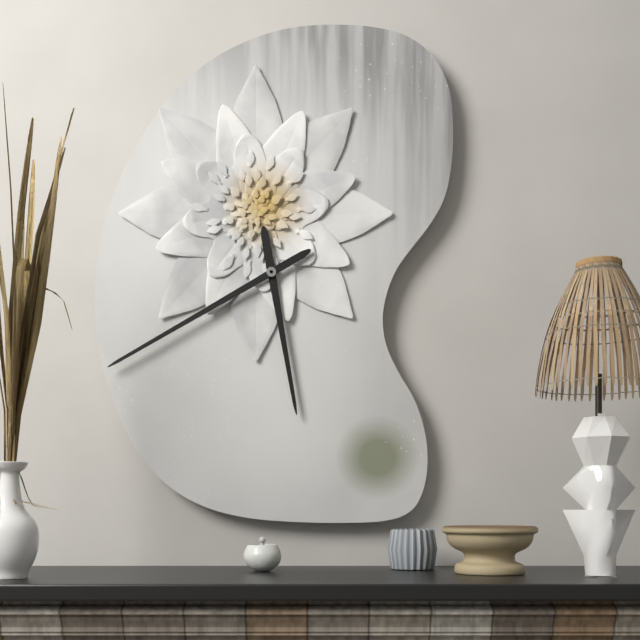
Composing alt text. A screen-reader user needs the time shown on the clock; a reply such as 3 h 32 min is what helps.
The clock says 5 h 40 min
